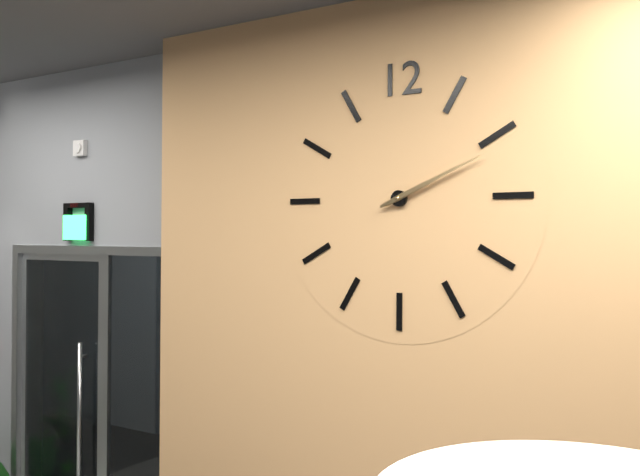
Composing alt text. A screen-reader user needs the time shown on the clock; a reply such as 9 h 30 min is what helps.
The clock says 2 h 11 min
